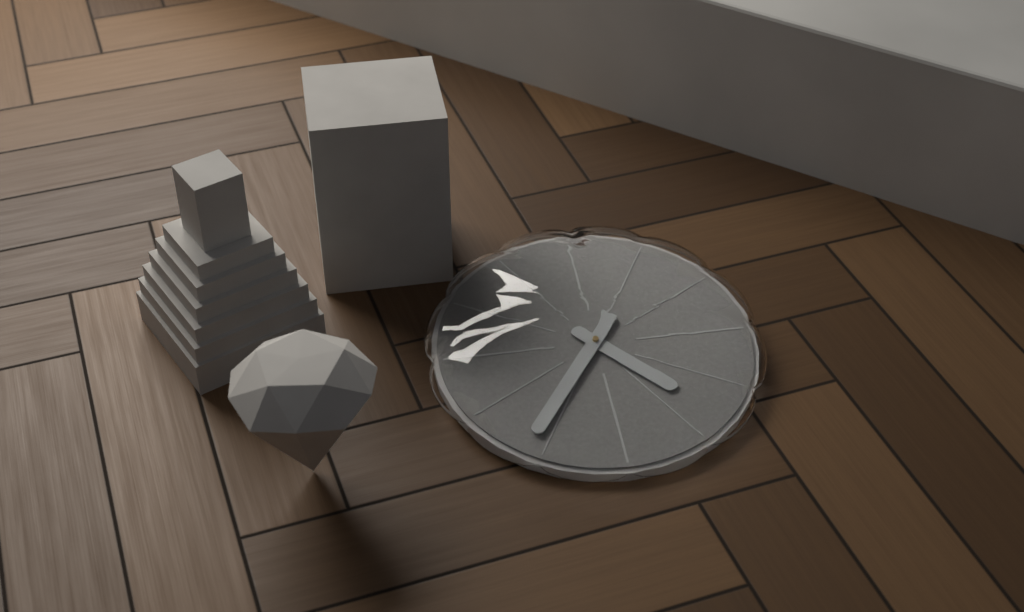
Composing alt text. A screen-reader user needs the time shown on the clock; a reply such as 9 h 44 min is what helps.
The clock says 4 h 36 min
